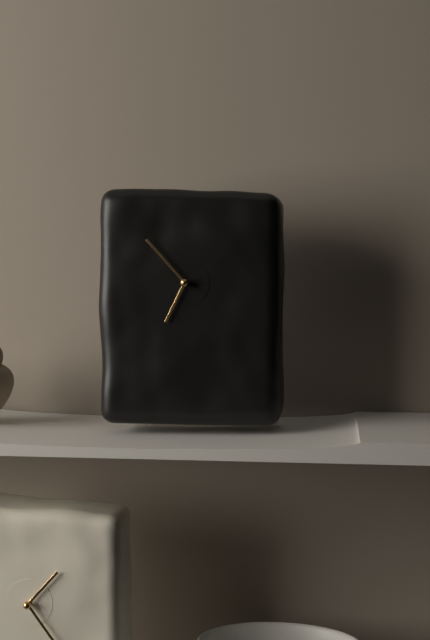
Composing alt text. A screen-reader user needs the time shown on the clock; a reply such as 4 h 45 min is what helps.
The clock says 6 h 53 min
